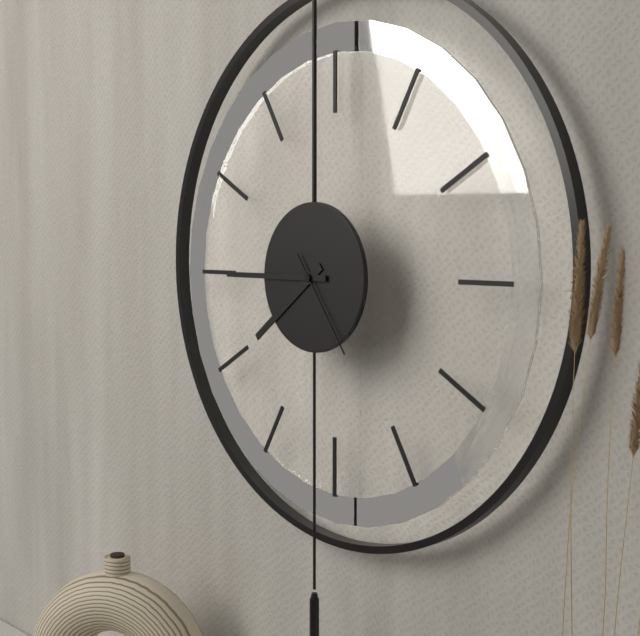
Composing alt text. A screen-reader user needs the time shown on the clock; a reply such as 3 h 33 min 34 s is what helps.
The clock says 7 h 45 min 24 s
